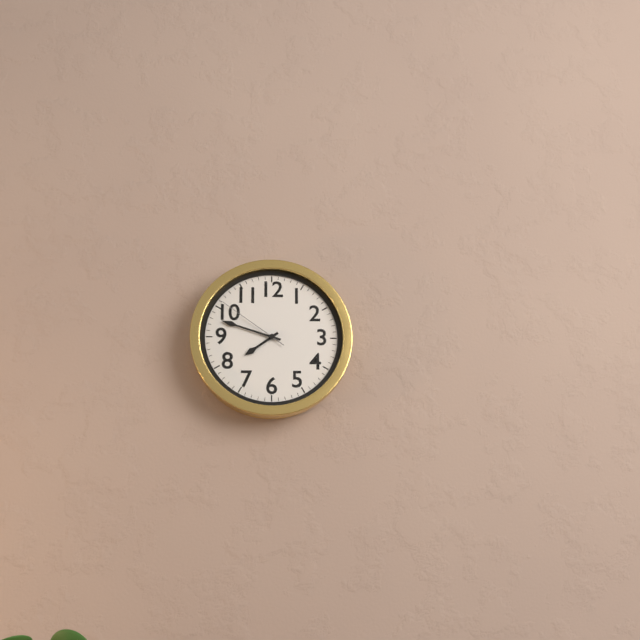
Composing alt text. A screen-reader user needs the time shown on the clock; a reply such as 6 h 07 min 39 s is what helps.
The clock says 7 h 48 min 51 s
